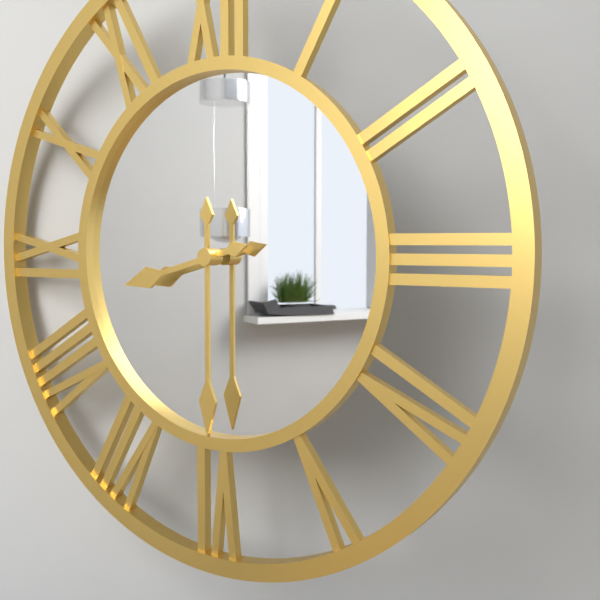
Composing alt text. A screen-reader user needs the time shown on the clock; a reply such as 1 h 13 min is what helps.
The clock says 8 h 30 min
